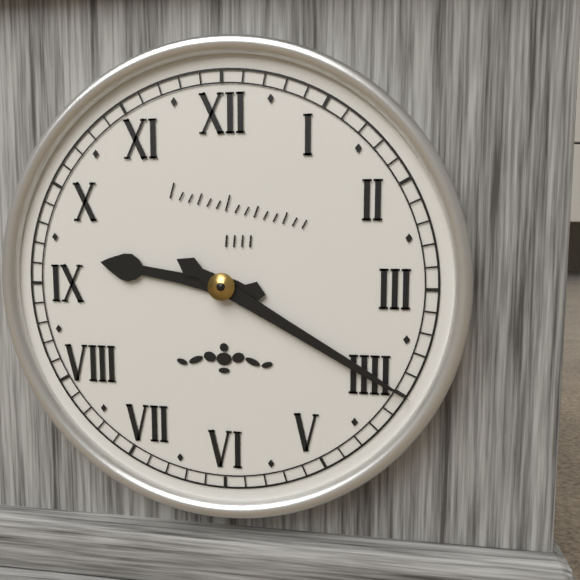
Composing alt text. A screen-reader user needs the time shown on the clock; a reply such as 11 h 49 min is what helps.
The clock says 9 h 20 min
